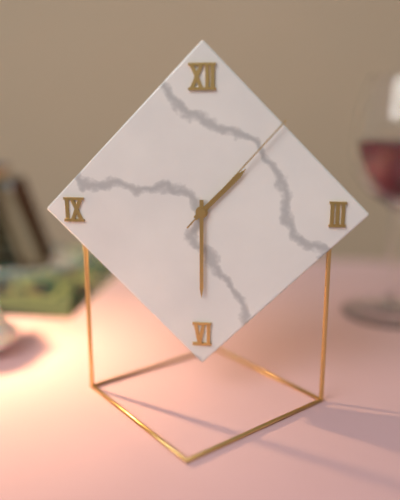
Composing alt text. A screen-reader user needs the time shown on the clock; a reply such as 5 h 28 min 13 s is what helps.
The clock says 1 h 30 min 07 s
